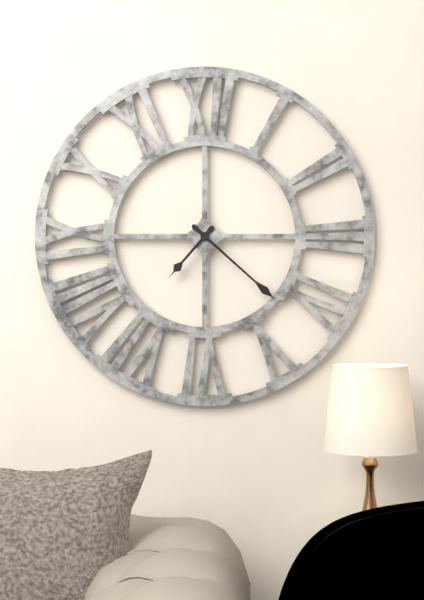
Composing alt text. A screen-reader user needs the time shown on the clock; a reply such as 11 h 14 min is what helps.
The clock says 7 h 22 min
